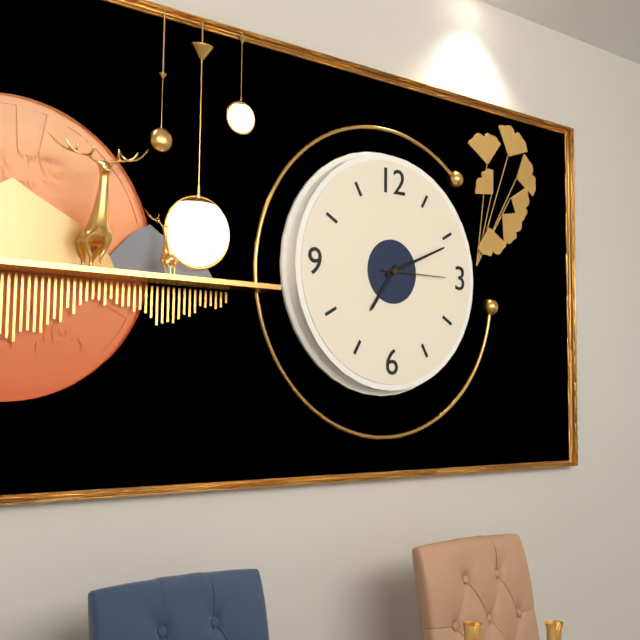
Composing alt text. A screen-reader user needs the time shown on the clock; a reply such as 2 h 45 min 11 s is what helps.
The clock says 7 h 11 min 15 s
